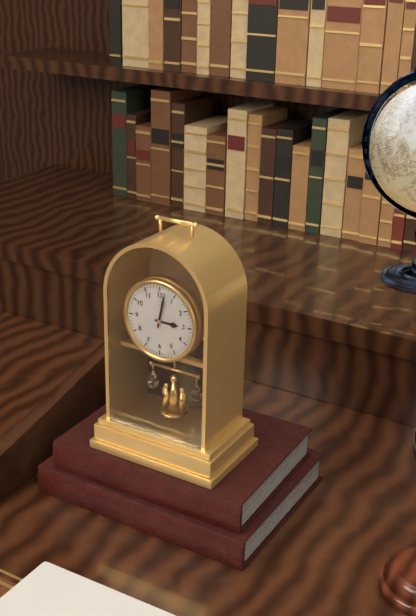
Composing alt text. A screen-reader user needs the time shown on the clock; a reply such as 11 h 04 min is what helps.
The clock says 3 h 02 min
